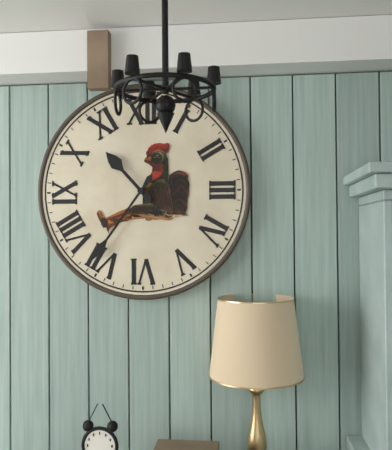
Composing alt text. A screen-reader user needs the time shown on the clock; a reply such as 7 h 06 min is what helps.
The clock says 10 h 36 min
